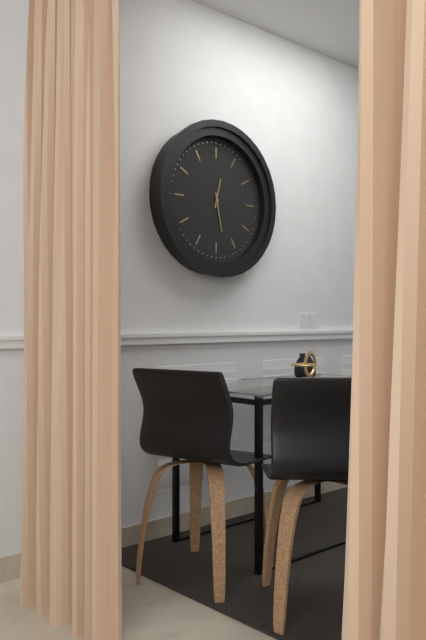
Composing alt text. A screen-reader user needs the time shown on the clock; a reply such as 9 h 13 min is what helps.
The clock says 12 h 28 min
